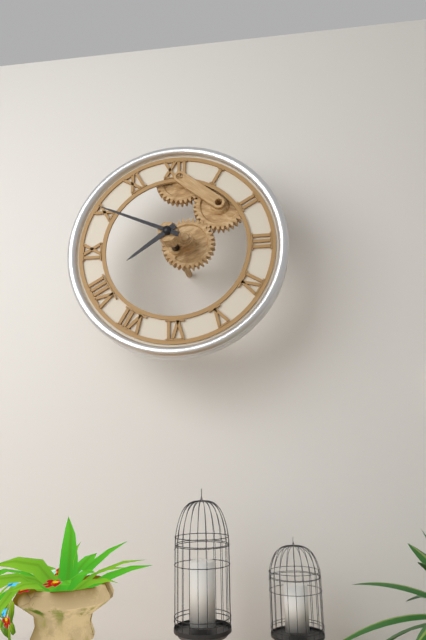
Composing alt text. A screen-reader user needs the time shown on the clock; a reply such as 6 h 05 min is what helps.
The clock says 7 h 49 min
